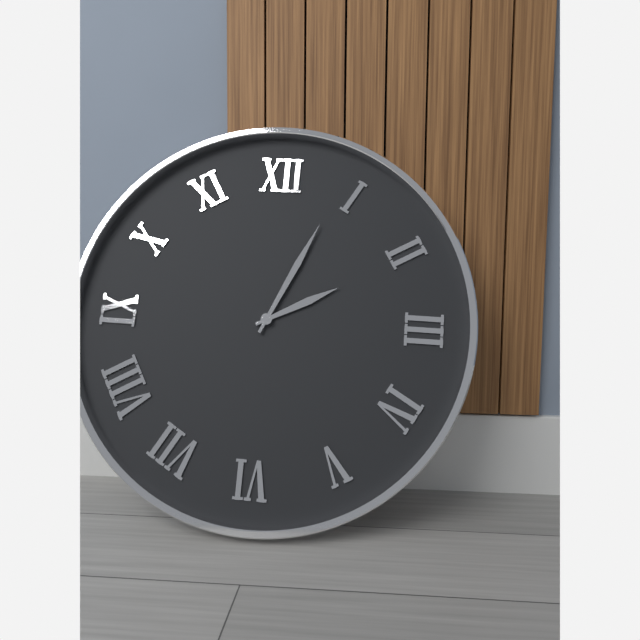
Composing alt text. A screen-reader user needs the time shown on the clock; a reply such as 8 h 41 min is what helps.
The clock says 2 h 04 min
